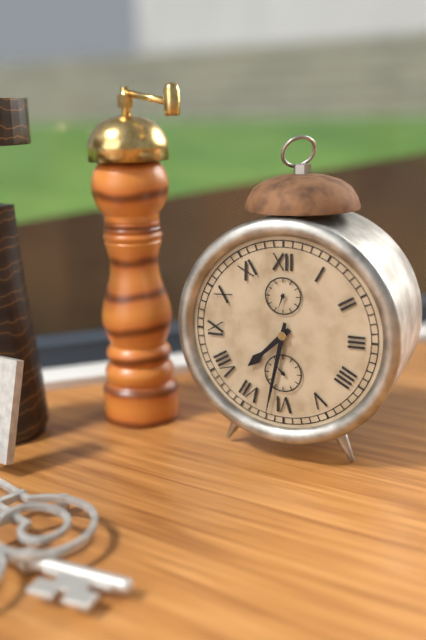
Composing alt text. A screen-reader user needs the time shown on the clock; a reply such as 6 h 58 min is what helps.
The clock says 7 h 32 min
